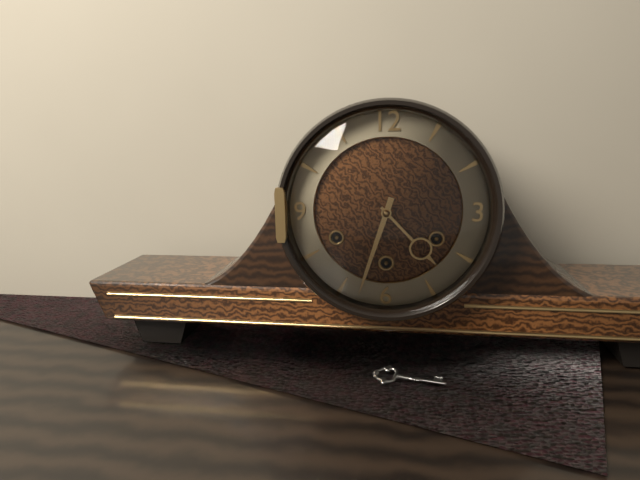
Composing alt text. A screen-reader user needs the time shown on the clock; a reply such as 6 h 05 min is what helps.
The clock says 4 h 33 min
